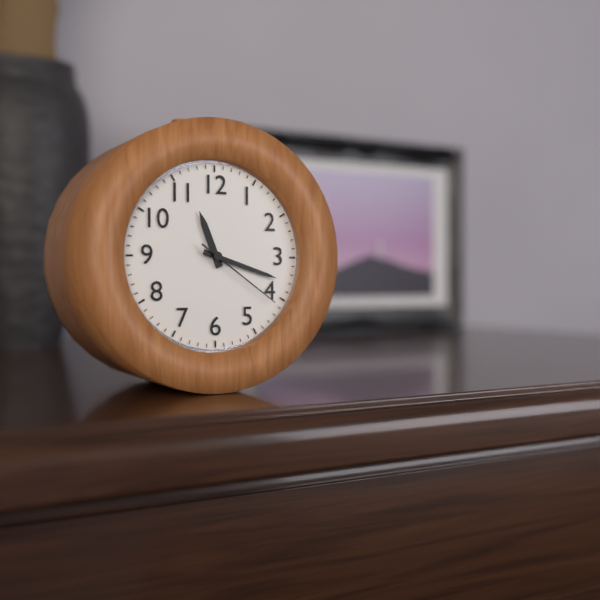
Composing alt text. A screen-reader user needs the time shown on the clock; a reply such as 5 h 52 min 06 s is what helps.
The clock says 11 h 18 min 21 s
